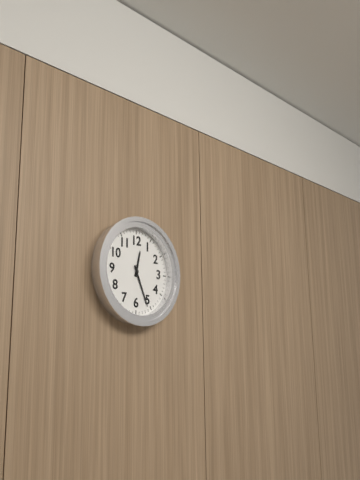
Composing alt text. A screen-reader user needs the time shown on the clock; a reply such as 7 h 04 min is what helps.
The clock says 12 h 26 min
